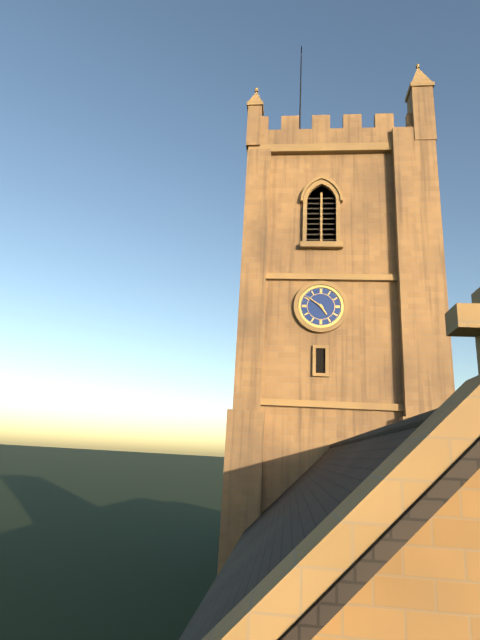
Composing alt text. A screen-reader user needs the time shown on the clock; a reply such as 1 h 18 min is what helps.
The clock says 4 h 51 min
